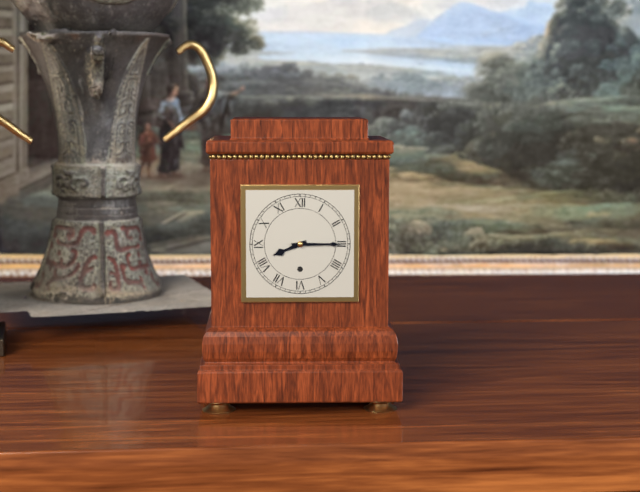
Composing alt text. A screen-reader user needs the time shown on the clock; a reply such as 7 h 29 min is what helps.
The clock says 8 h 15 min
